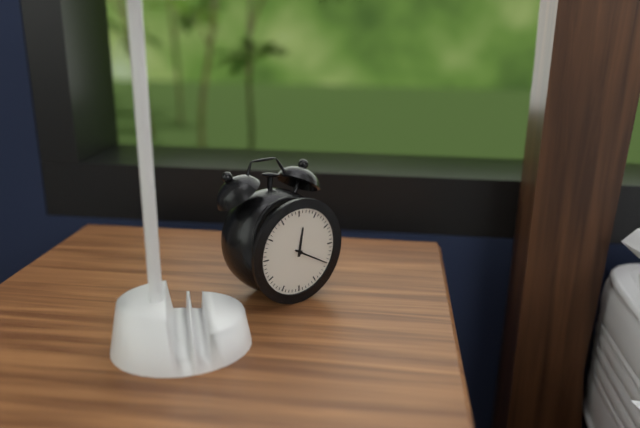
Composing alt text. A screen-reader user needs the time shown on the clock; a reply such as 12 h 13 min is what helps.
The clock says 12 h 20 min
